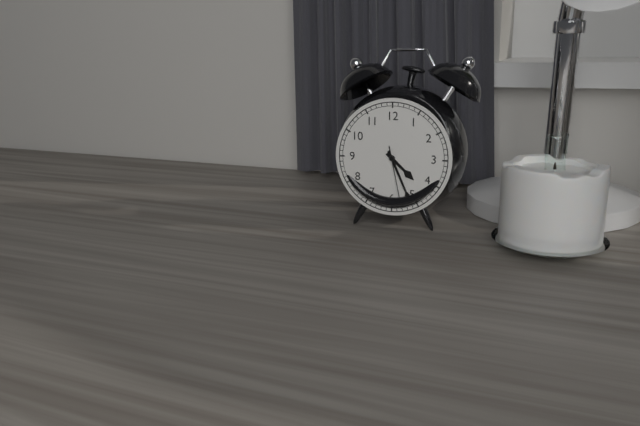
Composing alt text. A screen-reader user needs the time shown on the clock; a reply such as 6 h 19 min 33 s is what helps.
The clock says 4 h 26 min 28 s
